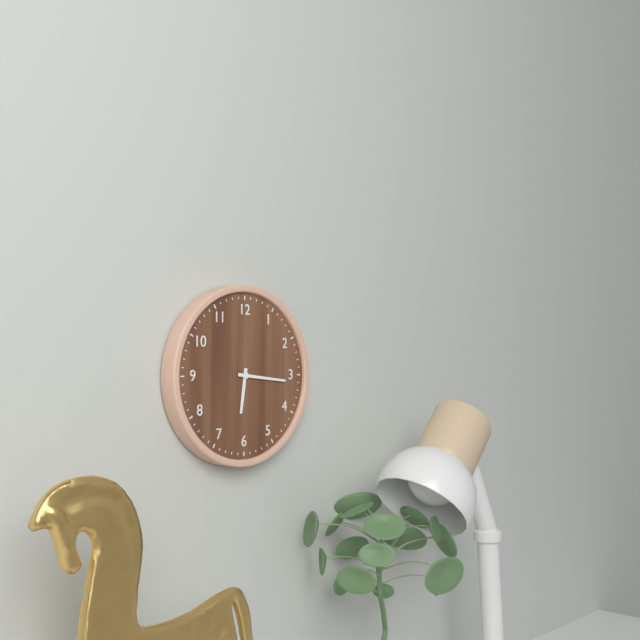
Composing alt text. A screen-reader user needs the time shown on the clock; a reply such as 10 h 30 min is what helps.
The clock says 6 h 16 min
